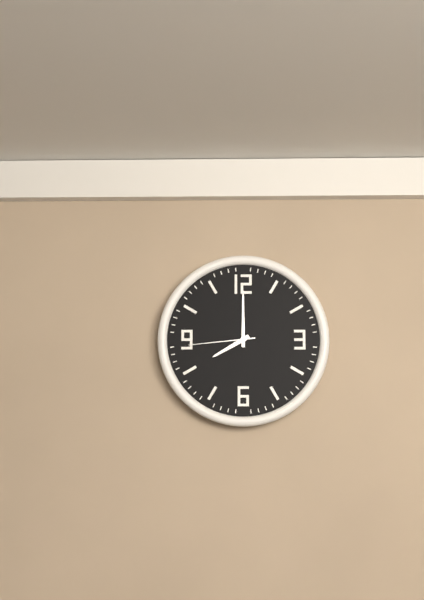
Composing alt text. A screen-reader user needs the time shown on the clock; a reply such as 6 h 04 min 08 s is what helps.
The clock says 8 h 00 min 44 s
